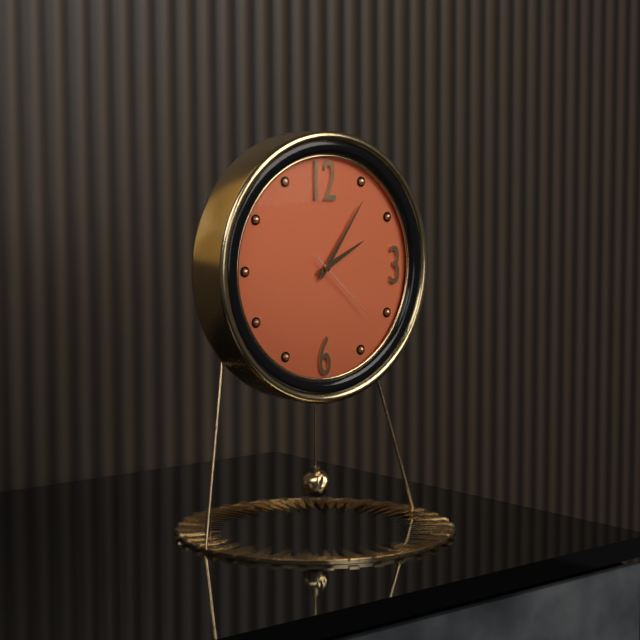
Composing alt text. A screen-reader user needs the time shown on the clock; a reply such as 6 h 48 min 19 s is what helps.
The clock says 2 h 06 min 22 s
